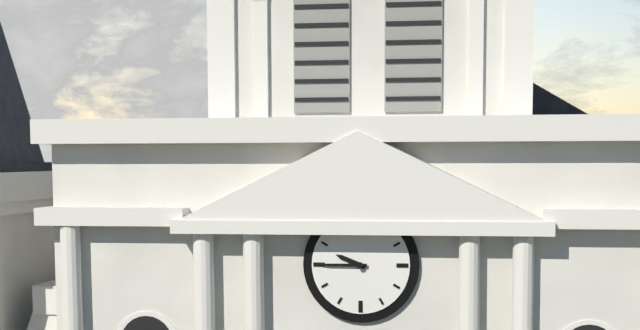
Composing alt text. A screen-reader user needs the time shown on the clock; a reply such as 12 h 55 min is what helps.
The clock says 9 h 45 min
